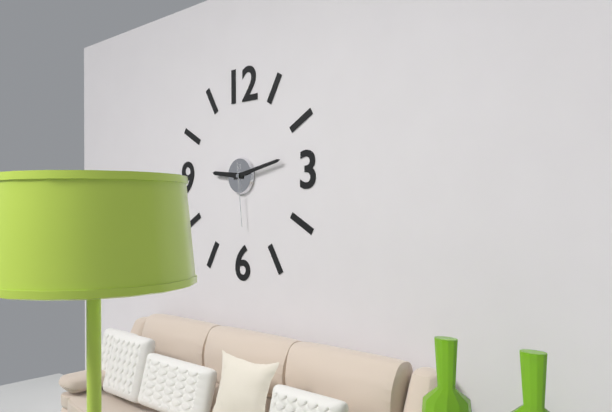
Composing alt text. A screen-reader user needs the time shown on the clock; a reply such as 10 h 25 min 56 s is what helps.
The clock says 9 h 13 min 29 s
